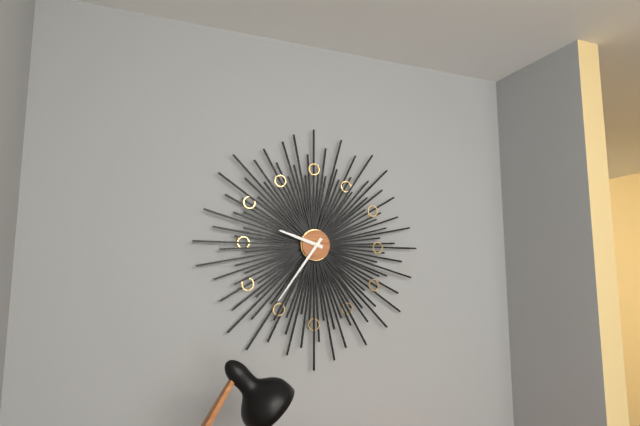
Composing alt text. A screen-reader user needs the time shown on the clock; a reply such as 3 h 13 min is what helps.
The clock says 9 h 36 min
